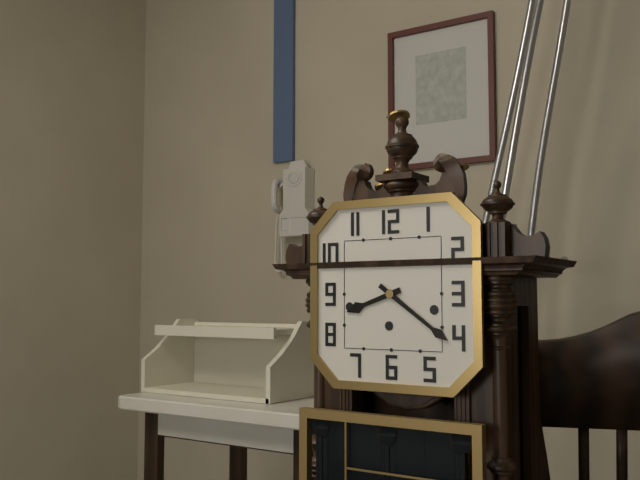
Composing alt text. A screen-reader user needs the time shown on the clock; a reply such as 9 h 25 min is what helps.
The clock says 8 h 21 min
